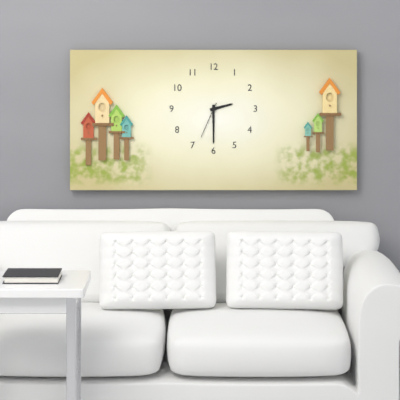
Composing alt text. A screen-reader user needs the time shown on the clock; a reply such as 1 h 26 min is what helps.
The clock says 2 h 30 min
